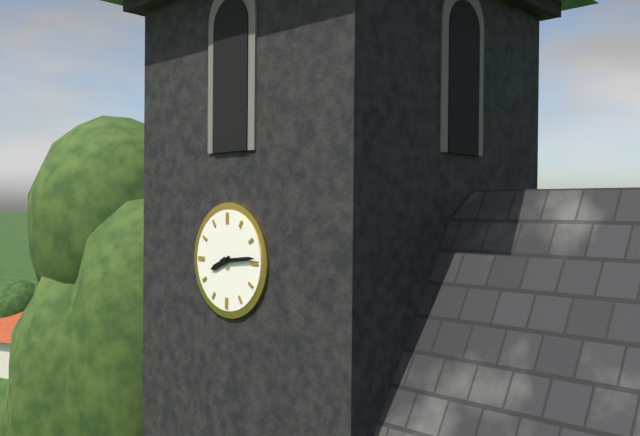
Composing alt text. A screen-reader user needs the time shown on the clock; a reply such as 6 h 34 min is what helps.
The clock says 8 h 14 min
